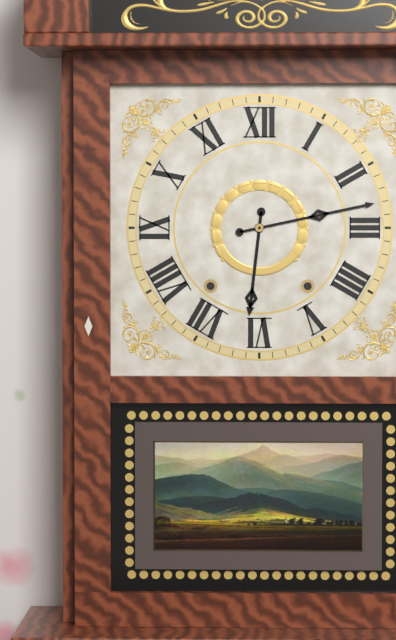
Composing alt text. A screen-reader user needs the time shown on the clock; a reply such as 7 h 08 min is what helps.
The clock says 6 h 13 min
